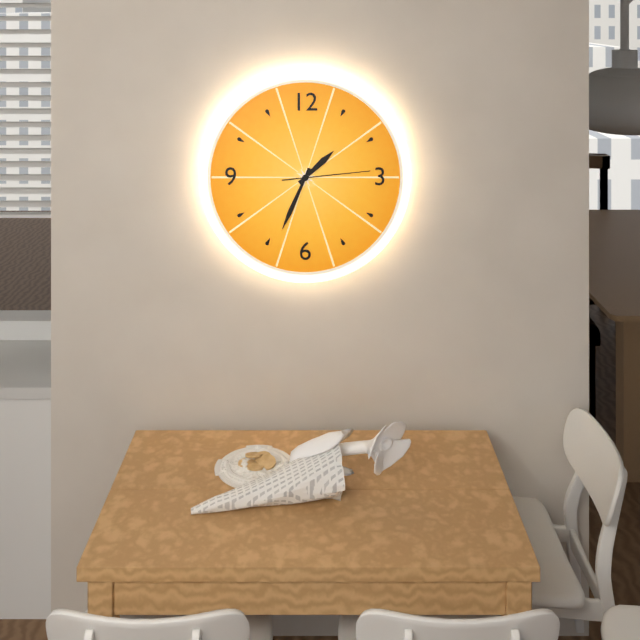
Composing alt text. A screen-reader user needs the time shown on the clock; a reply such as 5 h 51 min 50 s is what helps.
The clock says 1 h 34 min 14 s
